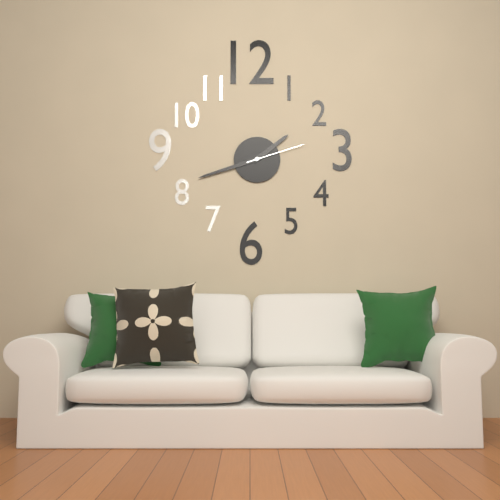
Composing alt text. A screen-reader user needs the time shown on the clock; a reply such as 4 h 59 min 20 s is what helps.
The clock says 1 h 42 min 12 s
